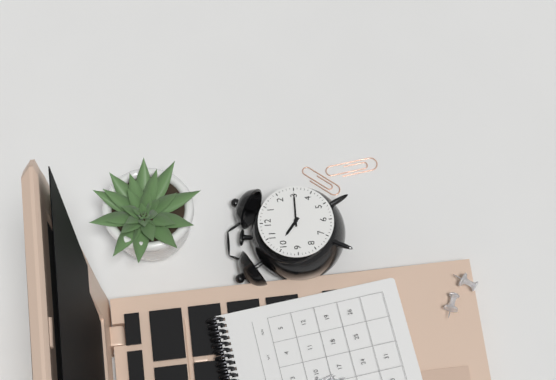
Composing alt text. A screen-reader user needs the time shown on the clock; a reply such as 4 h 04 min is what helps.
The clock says 10 h 15 min
